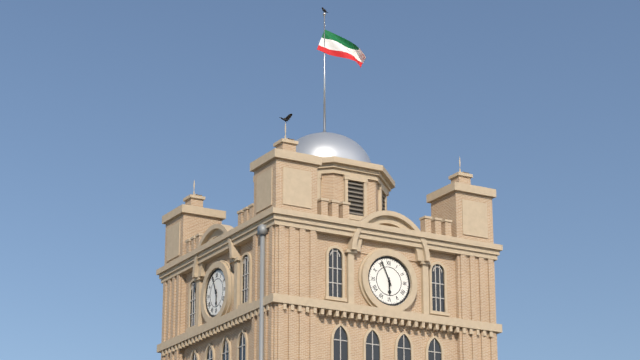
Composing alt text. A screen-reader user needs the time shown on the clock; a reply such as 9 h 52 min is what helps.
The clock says 5 h 56 min
